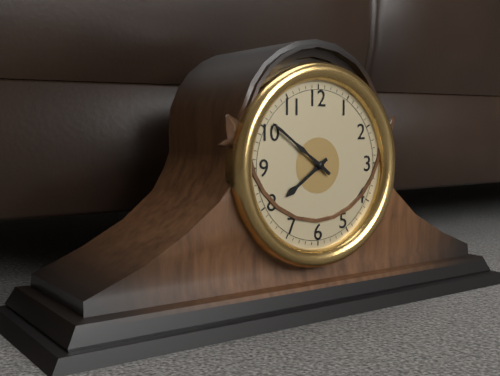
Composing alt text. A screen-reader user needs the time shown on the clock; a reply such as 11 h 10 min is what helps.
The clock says 7 h 51 min
